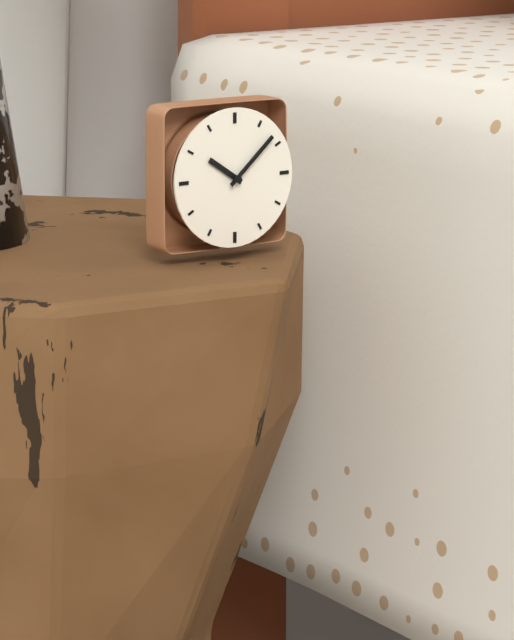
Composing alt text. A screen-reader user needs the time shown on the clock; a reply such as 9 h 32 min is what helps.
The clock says 10 h 08 min
